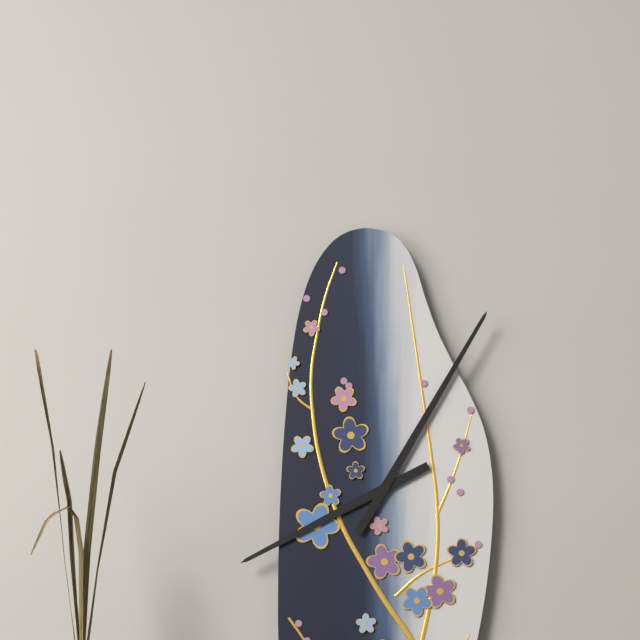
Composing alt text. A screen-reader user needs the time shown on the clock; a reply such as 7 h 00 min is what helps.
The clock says 8 h 05 min
